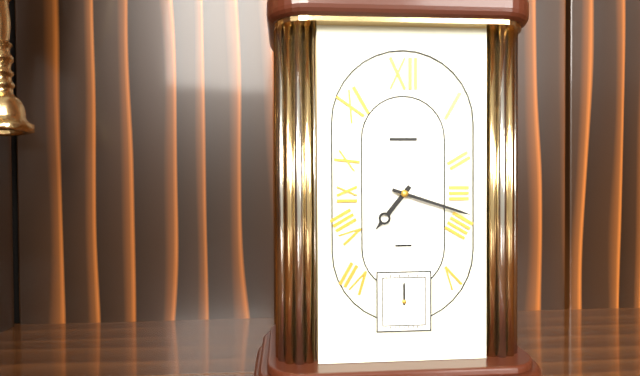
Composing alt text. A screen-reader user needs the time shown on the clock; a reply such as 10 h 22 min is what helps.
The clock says 7 h 18 min
